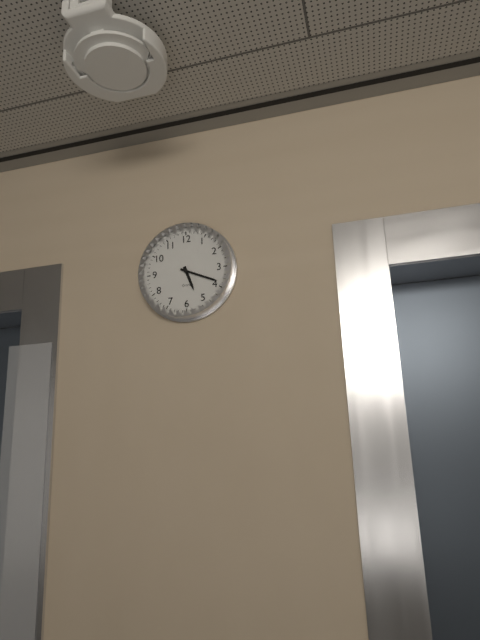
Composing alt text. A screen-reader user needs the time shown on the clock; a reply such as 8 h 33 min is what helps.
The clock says 5 h 19 min
